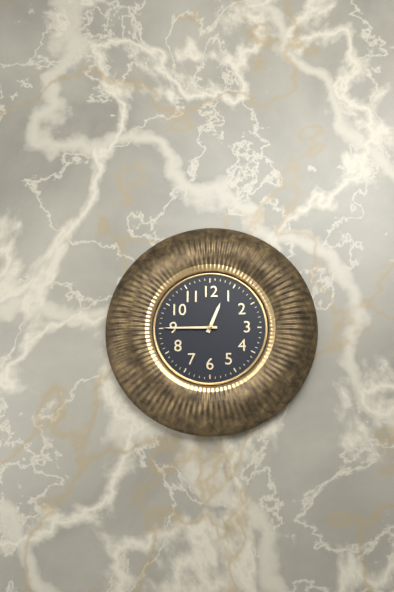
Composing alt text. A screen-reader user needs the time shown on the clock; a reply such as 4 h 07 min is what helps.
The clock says 12 h 45 min
